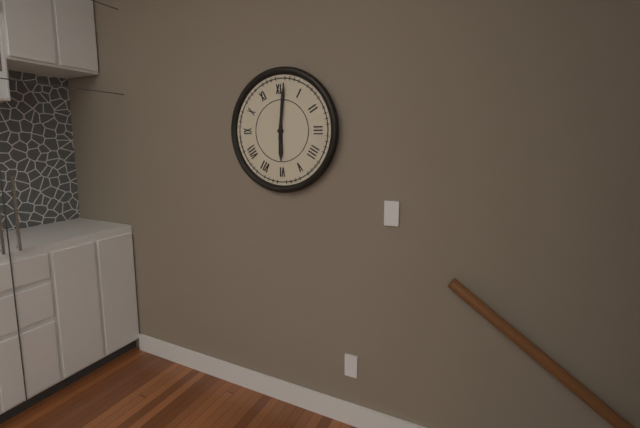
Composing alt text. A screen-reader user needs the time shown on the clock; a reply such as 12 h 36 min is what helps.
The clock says 6 h 01 min
